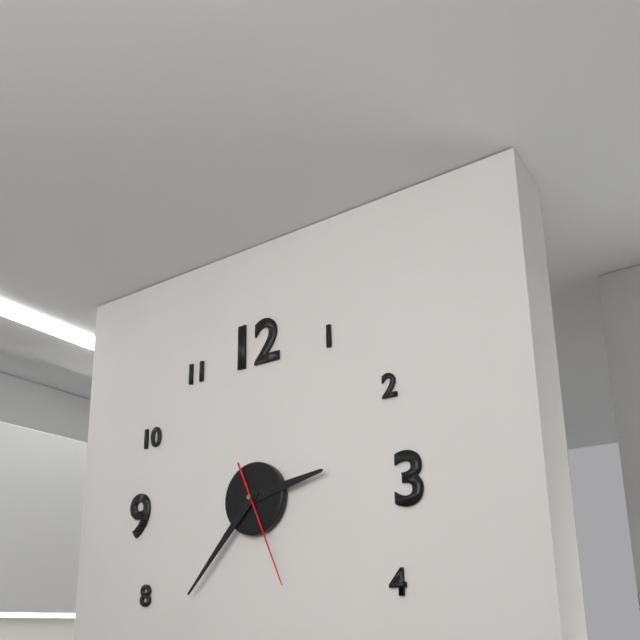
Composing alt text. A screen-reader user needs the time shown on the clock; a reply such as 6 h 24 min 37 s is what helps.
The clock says 2 h 37 min 26 s
